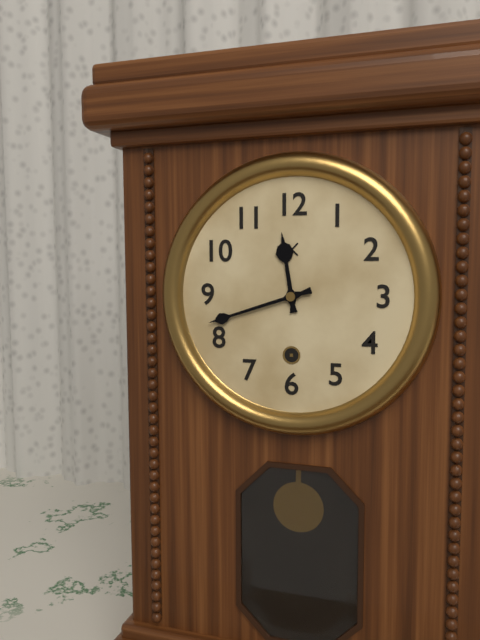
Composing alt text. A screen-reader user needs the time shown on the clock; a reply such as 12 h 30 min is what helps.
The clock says 11 h 42 min
